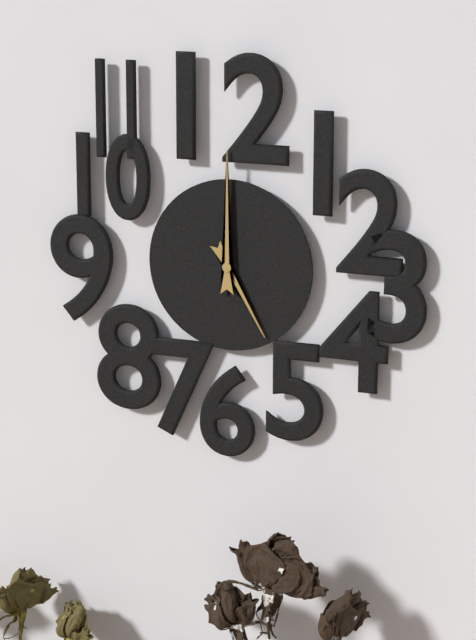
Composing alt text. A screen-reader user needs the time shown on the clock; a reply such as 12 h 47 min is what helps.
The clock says 5 h 00 min
